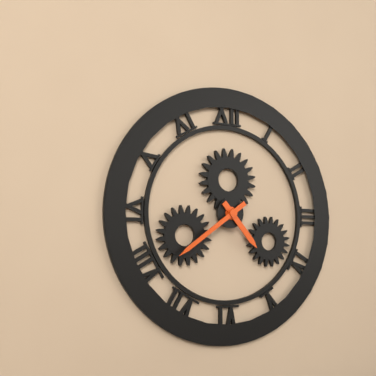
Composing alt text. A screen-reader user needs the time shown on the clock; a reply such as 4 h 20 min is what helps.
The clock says 4 h 39 min
